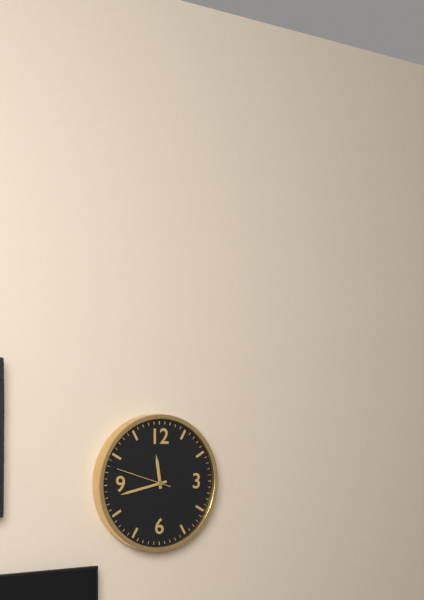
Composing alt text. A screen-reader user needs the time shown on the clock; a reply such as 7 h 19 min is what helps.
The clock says 11 h 43 min
